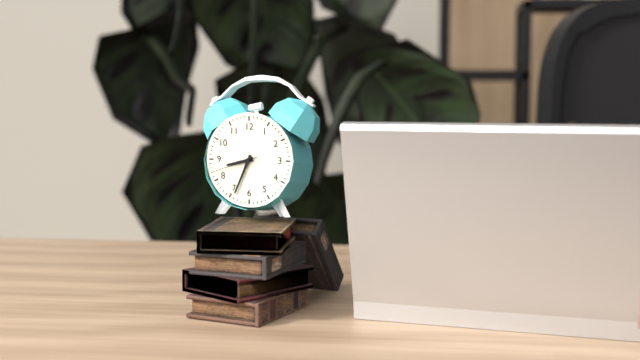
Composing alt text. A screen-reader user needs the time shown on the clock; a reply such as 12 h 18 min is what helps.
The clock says 8 h 34 min
